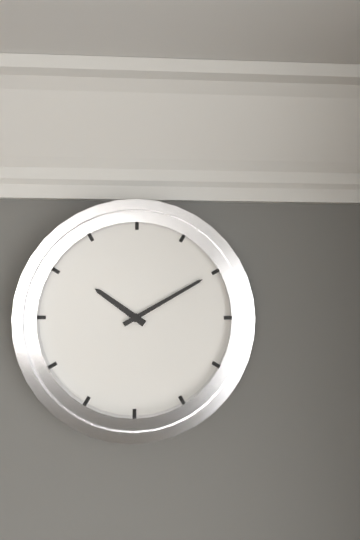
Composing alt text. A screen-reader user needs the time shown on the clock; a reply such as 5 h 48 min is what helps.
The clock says 10 h 10 min
